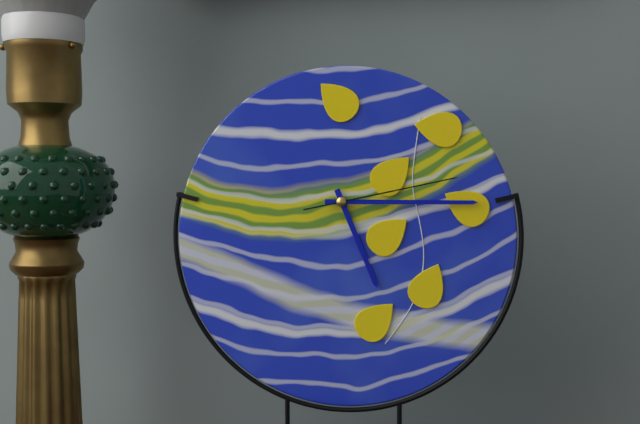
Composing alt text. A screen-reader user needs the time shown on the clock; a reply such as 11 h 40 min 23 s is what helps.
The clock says 5 h 15 min 13 s
